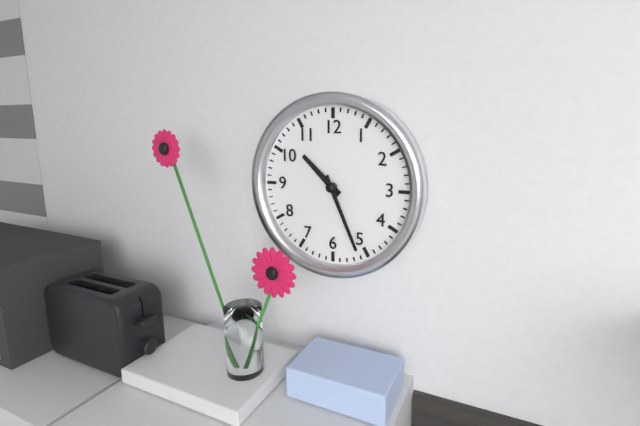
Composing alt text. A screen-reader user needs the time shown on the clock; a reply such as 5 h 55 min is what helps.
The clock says 10 h 26 min
